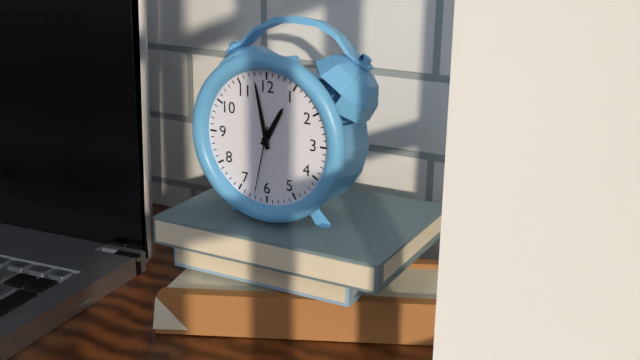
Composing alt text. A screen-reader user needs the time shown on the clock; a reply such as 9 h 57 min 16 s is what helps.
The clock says 12 h 58 min 32 s
